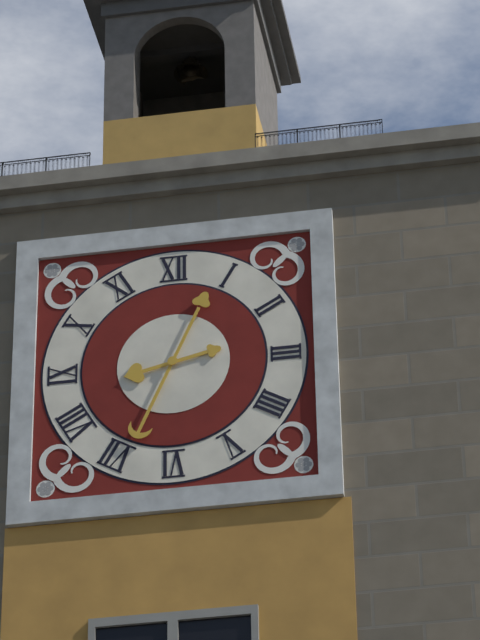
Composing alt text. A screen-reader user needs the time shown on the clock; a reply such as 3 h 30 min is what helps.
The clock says 8 h 34 min
